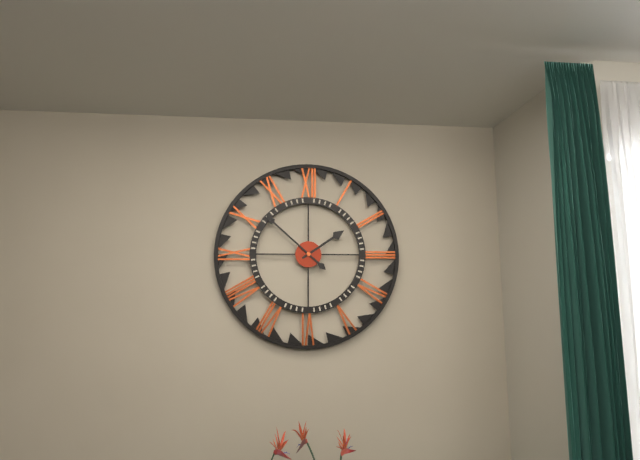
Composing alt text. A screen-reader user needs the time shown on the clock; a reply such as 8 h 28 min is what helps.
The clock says 1 h 52 min
